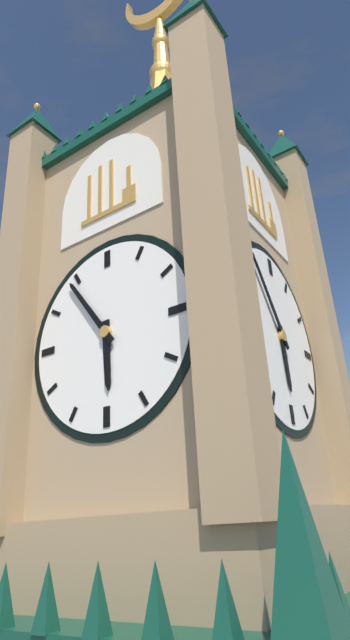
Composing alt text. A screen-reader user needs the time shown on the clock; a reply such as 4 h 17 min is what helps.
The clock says 5 h 54 min
